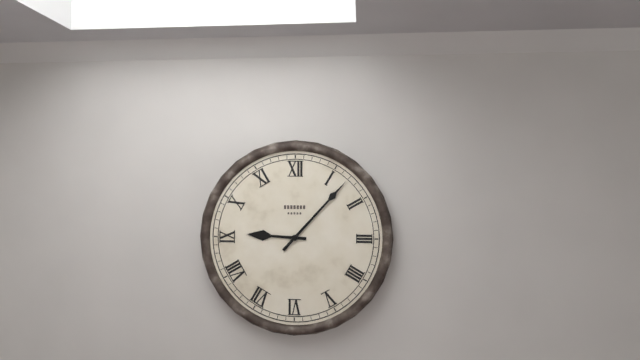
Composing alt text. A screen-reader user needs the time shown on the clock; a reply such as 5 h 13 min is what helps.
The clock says 9 h 07 min
